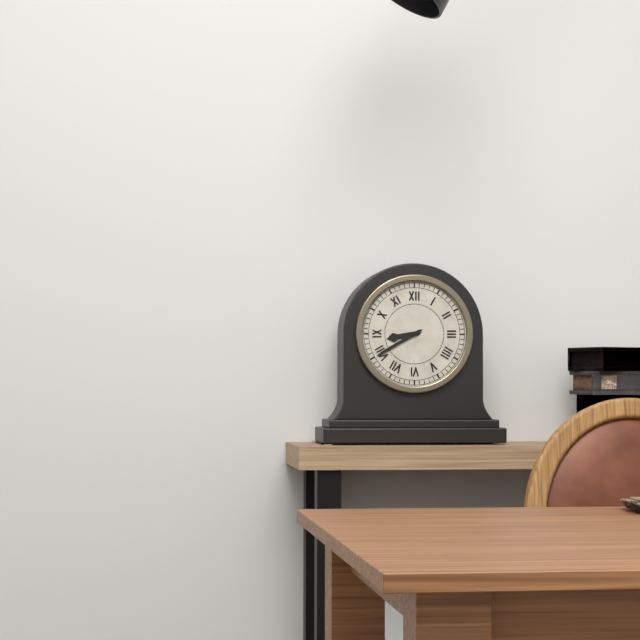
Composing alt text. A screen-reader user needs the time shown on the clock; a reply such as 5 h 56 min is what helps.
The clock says 8 h 40 min
